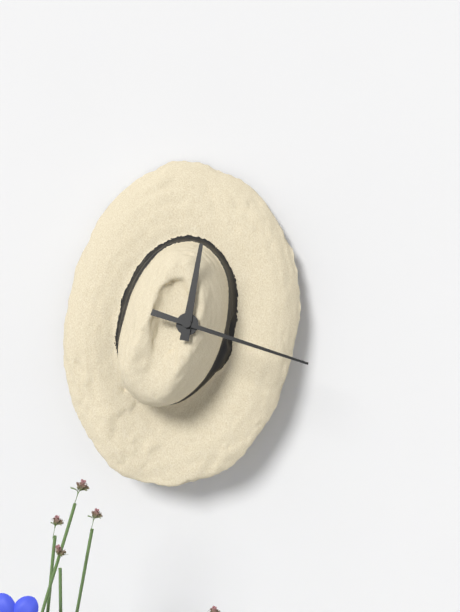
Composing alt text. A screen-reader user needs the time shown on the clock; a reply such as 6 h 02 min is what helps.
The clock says 12 h 18 min
